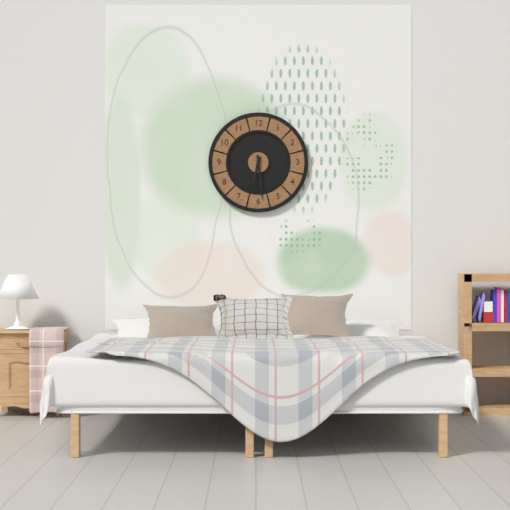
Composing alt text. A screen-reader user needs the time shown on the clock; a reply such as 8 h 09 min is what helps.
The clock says 6 h 29 min
